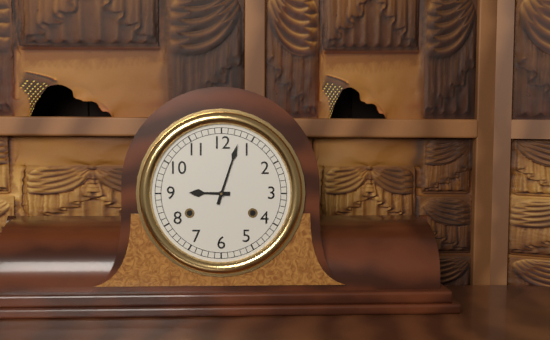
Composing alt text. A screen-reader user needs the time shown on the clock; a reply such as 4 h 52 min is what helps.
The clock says 9 h 03 min
